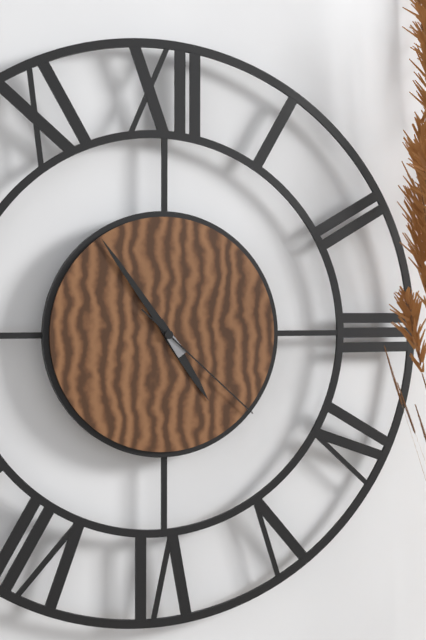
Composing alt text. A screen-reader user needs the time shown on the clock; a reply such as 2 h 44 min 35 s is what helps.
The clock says 4 h 54 min 22 s
